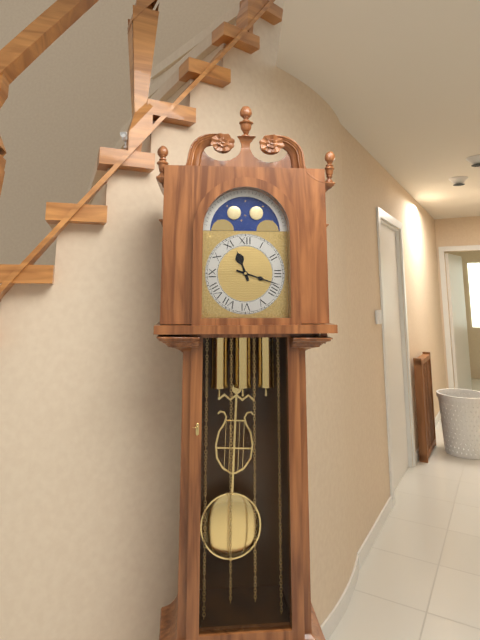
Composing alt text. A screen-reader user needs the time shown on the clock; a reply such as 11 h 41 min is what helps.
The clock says 11 h 18 min
